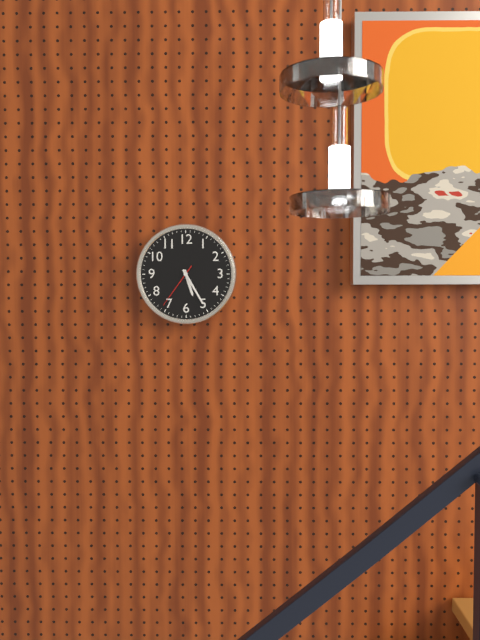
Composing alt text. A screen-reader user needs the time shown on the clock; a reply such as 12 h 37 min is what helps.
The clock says 5 h 25 min
